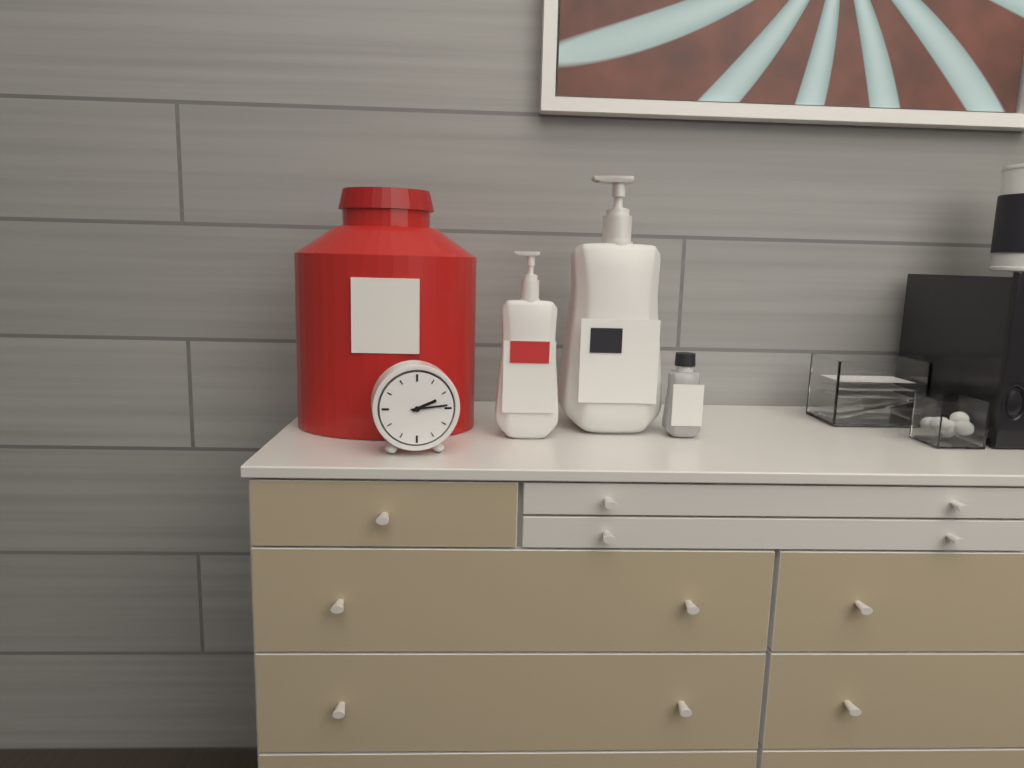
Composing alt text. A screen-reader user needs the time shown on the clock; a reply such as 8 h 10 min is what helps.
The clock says 2 h 14 min
